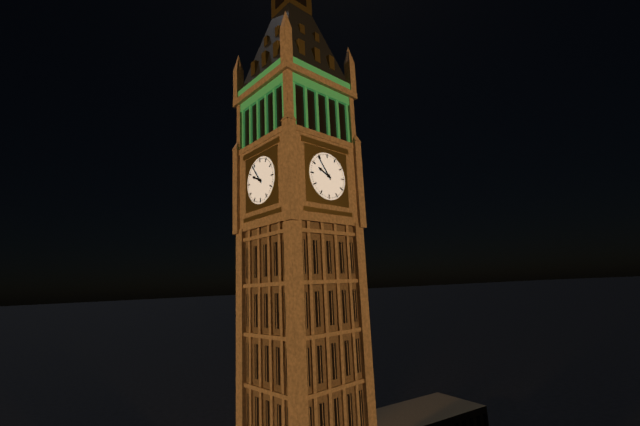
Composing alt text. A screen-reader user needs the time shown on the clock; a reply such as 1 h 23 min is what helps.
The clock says 9 h 54 min
